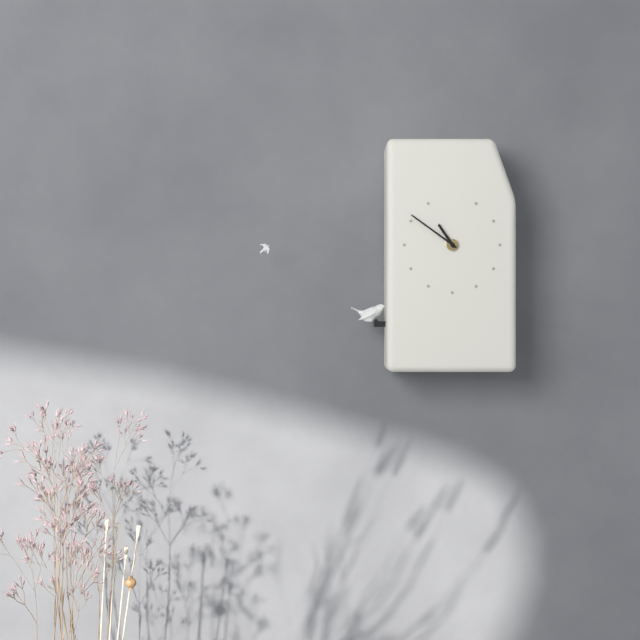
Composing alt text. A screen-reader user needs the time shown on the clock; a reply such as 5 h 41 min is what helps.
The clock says 10 h 51 min
